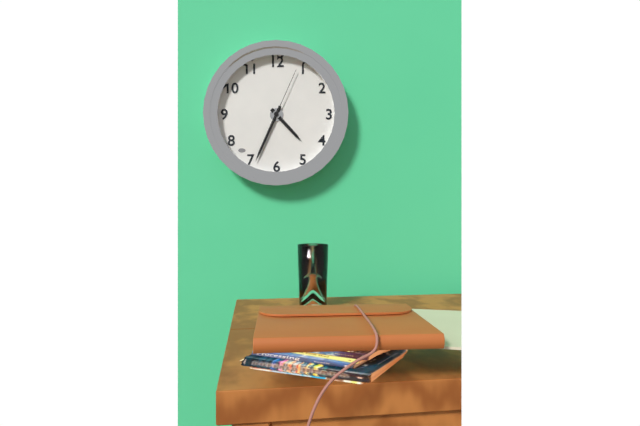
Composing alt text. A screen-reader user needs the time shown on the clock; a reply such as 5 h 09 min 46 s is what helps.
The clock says 4 h 34 min 04 s
